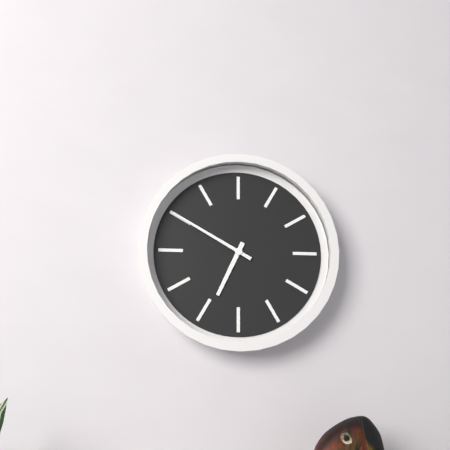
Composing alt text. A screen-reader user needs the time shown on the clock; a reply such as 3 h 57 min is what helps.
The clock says 6 h 50 min
